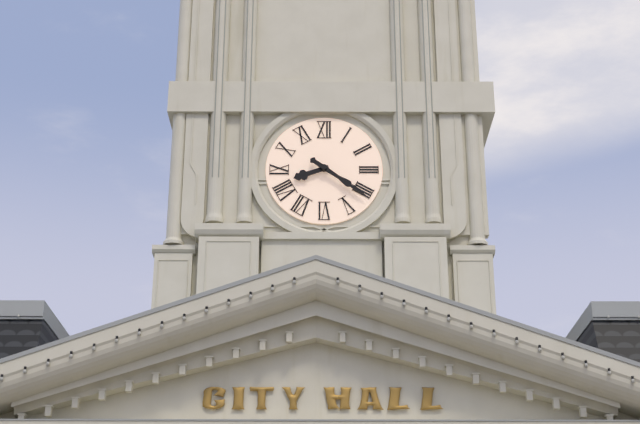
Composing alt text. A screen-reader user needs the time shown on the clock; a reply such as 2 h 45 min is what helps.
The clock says 8 h 21 min
